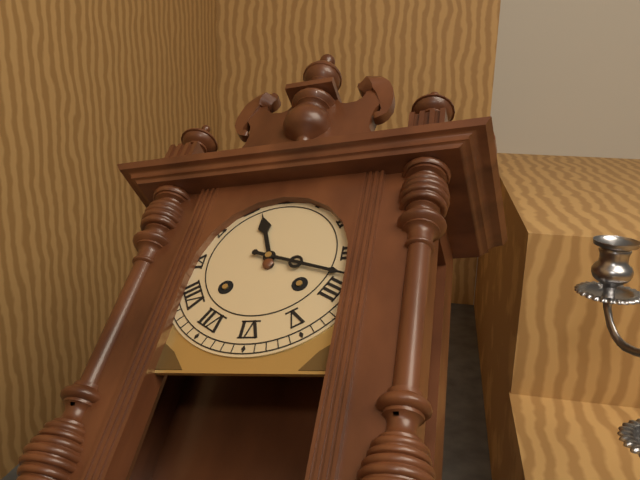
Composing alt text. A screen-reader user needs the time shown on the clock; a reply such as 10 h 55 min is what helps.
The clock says 11 h 18 min
